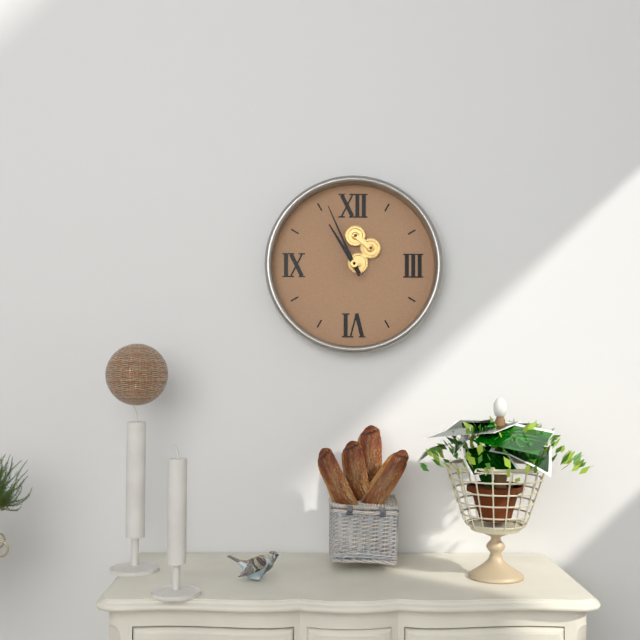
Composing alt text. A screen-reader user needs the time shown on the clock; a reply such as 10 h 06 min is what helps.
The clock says 10 h 56 min
